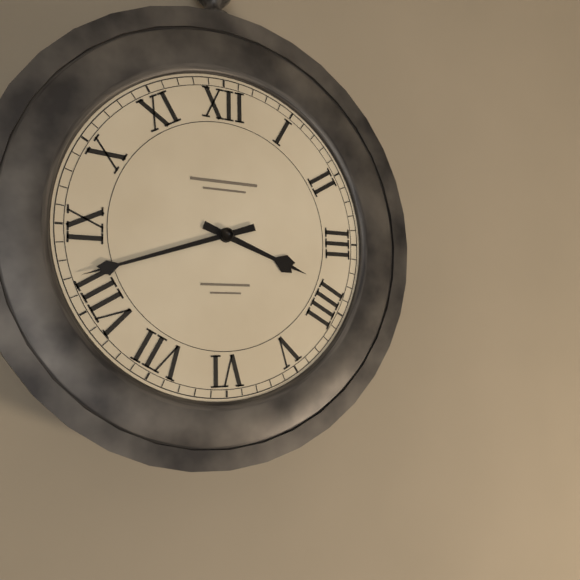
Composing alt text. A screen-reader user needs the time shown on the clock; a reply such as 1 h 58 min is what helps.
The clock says 3 h 42 min
